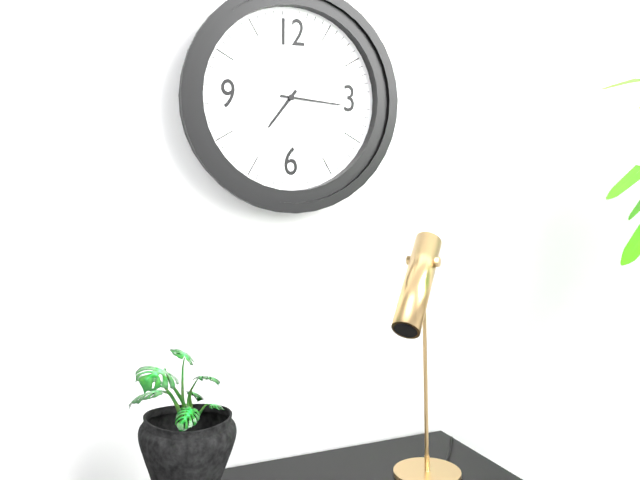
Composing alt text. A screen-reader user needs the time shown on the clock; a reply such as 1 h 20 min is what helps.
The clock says 7 h 16 min
